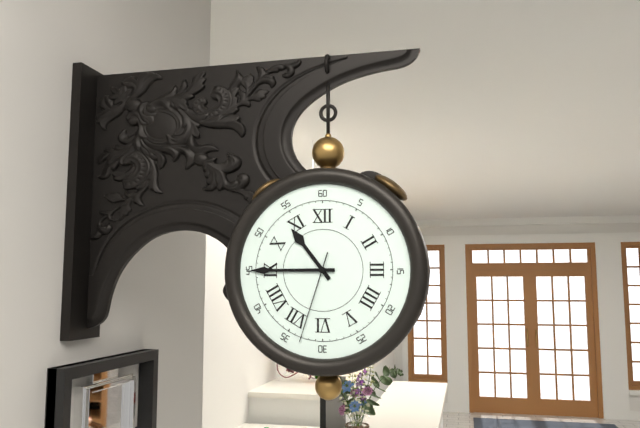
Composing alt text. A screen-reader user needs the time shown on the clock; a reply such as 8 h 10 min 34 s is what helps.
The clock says 10 h 45 min 33 s
